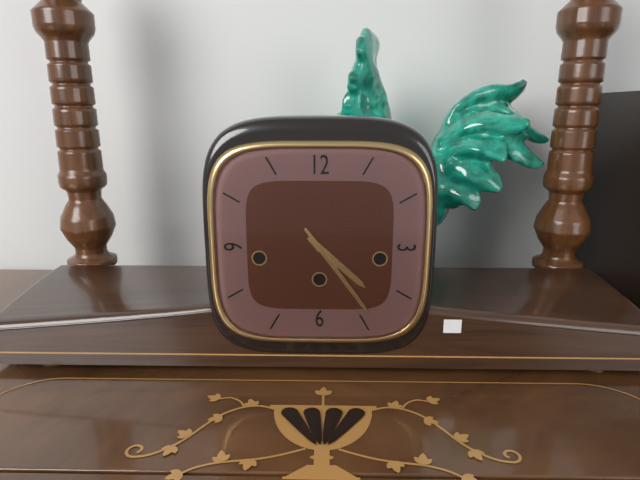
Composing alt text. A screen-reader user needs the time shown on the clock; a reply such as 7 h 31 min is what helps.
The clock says 4 h 24 min
